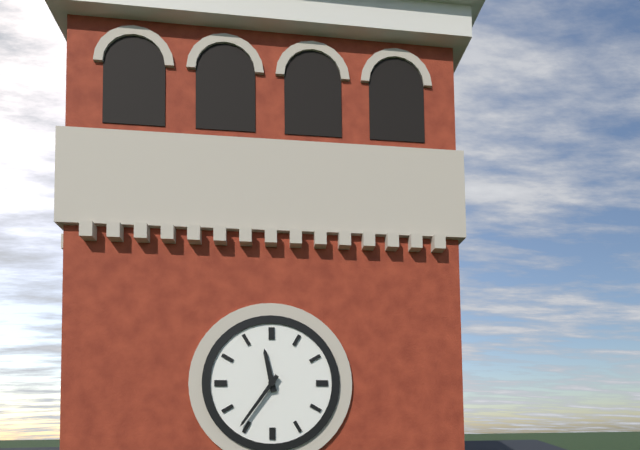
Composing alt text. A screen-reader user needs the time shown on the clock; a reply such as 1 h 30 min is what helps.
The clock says 11 h 36 min
